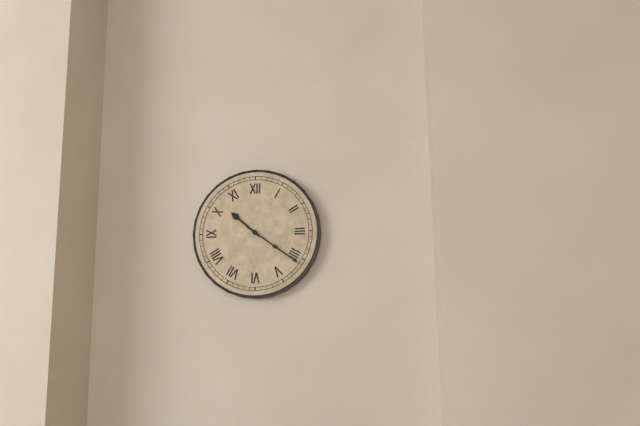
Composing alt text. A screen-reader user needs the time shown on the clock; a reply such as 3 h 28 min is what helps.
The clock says 10 h 21 min
